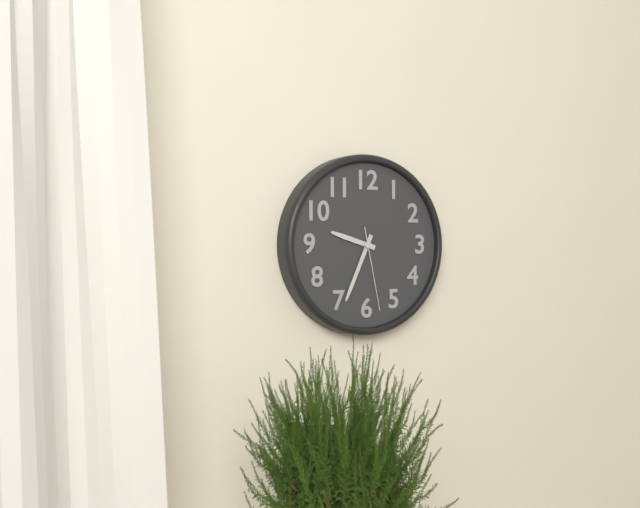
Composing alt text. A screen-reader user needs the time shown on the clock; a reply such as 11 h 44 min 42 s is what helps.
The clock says 9 h 34 min 28 s
